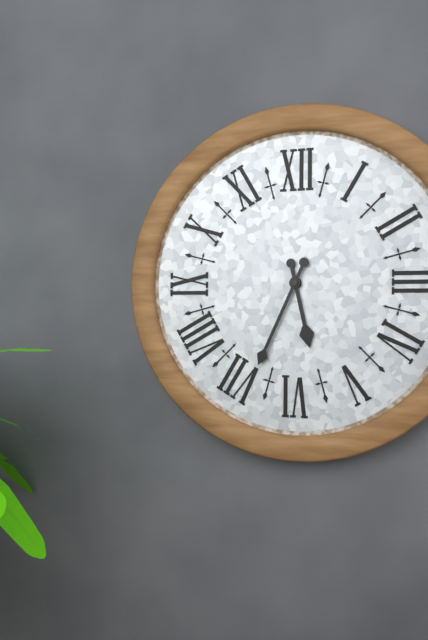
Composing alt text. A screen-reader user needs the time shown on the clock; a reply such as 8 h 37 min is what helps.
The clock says 5 h 34 min
